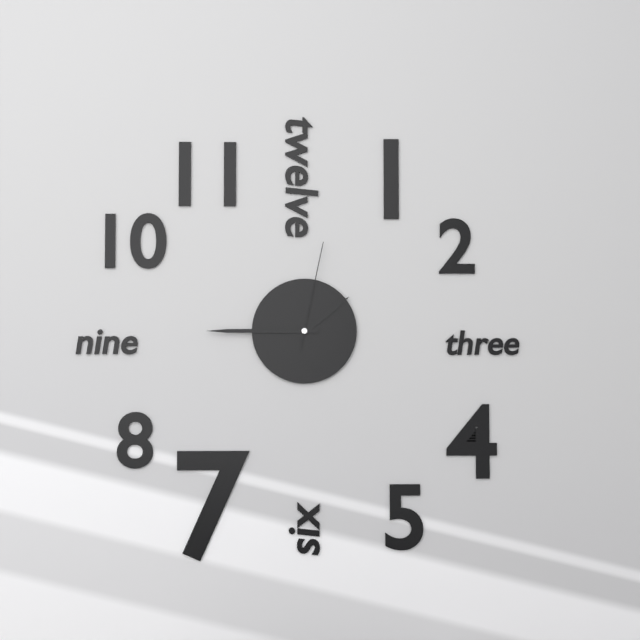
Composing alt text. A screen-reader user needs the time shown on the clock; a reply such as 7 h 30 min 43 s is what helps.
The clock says 1 h 45 min 02 s
